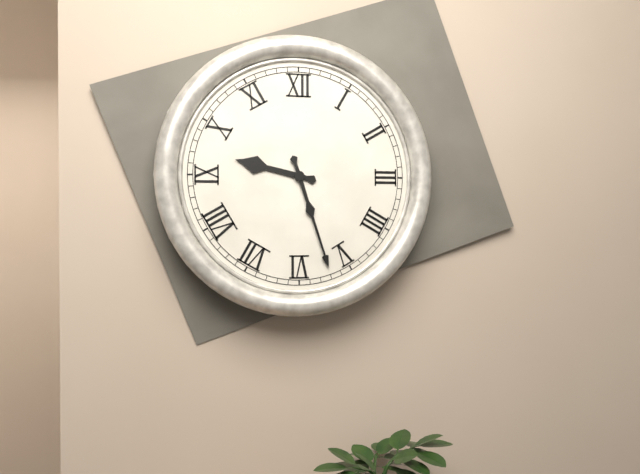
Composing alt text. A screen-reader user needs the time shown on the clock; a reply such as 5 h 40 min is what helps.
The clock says 9 h 27 min
